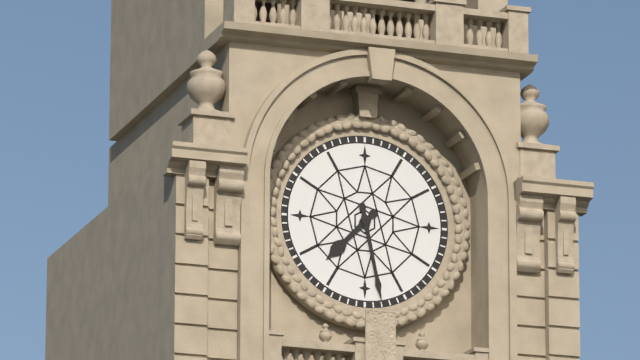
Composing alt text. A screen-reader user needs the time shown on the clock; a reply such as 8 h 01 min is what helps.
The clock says 7 h 28 min
